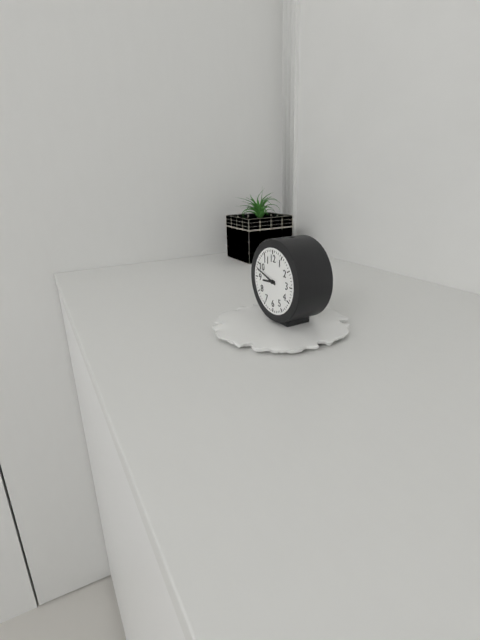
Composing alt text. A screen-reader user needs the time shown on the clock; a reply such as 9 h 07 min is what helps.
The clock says 8 h 48 min
